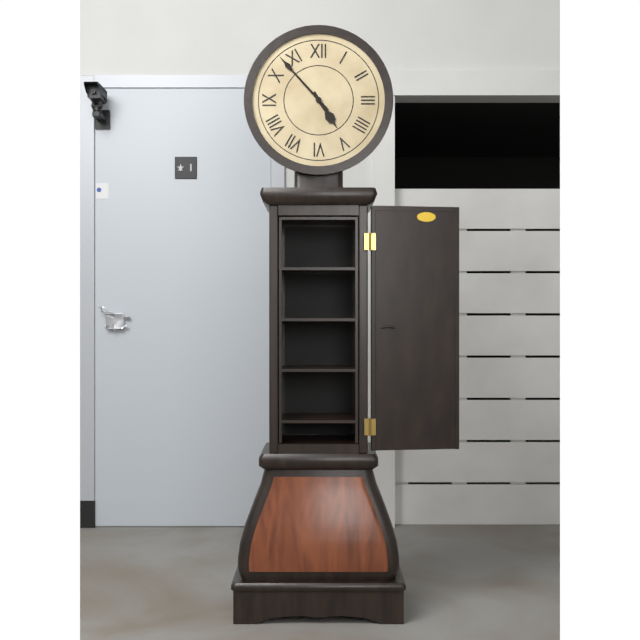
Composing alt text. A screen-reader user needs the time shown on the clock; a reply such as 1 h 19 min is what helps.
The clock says 4 h 53 min
